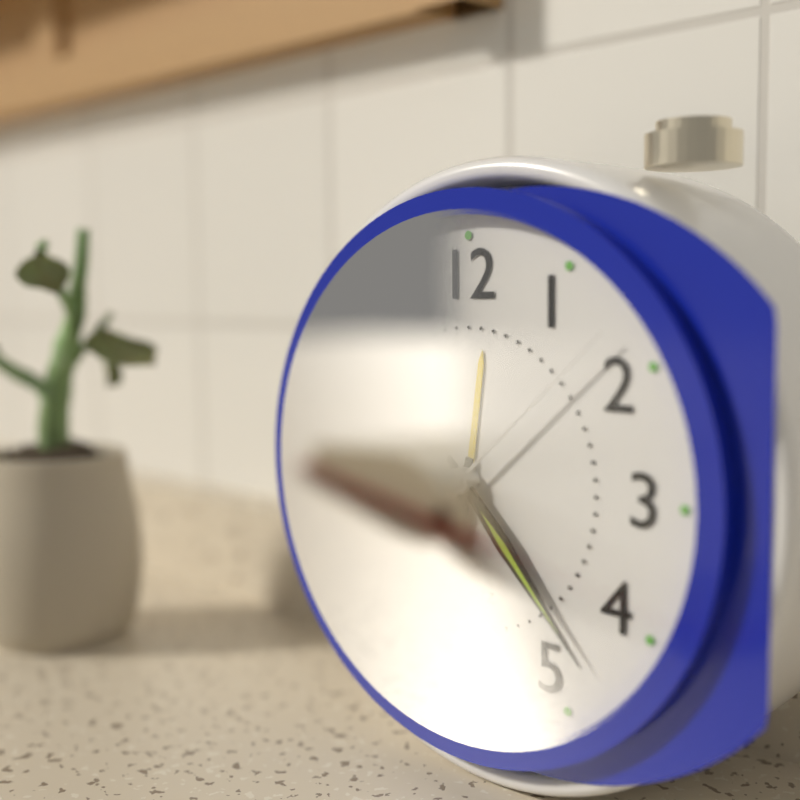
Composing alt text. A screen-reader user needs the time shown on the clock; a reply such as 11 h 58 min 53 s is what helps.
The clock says 6 h 23 min 08 s
